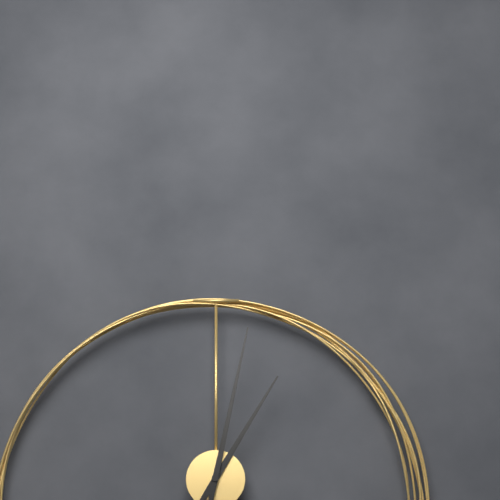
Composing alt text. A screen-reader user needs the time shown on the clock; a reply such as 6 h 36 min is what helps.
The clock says 1 h 02 min
